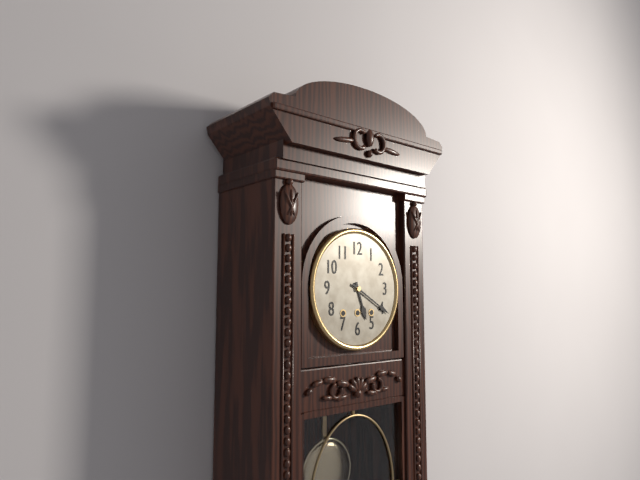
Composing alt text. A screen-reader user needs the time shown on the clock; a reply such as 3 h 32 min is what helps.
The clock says 5 h 20 min
